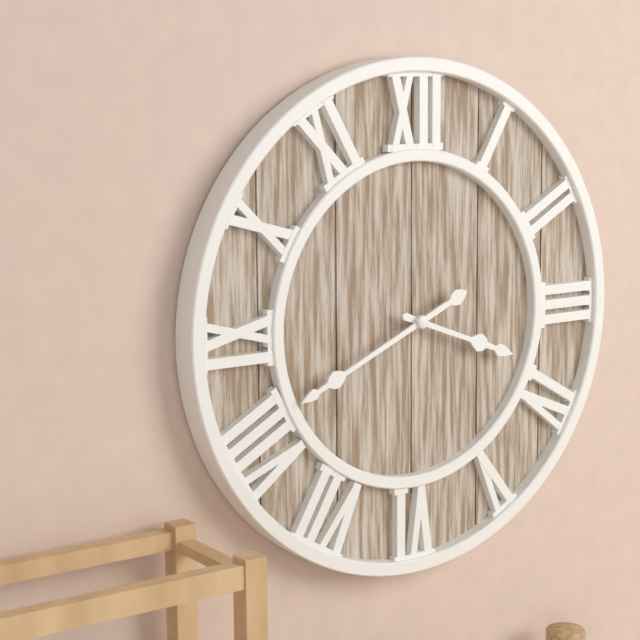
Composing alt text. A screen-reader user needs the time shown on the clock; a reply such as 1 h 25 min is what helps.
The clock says 3 h 41 min
